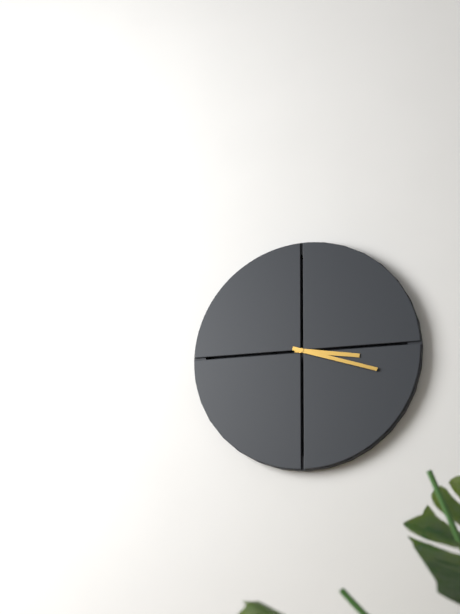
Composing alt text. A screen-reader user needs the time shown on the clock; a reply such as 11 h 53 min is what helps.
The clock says 3 h 18 min
